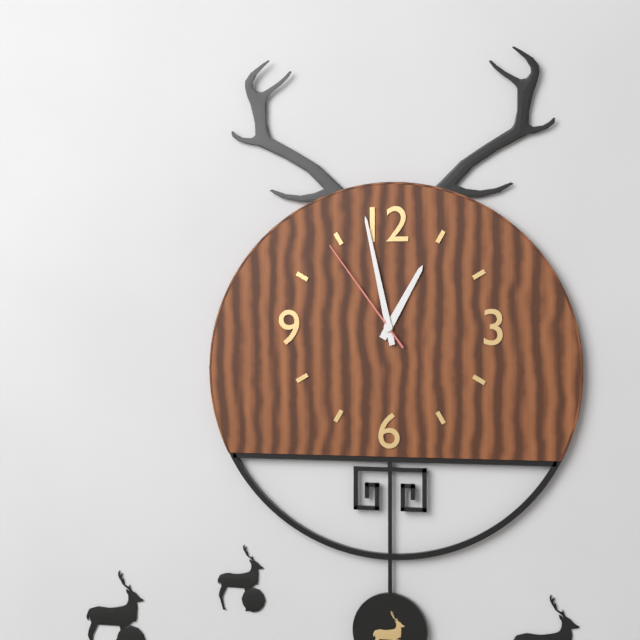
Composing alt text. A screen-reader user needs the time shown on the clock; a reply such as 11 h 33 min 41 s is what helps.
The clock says 12 h 58 min 54 s
